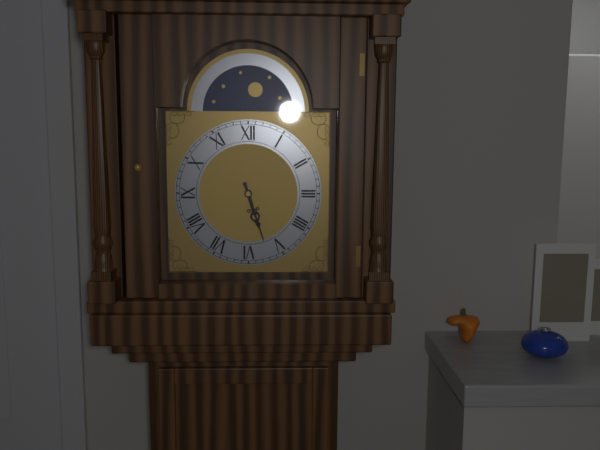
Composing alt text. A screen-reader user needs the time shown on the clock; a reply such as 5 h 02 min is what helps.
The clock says 5 h 27 min
